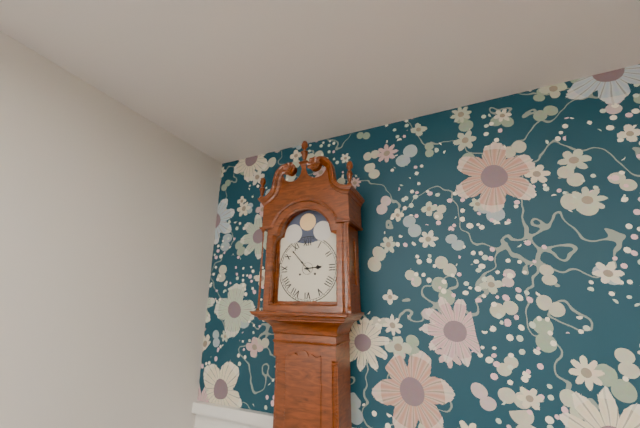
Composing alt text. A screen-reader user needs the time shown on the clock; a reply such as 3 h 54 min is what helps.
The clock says 2 h 53 min
